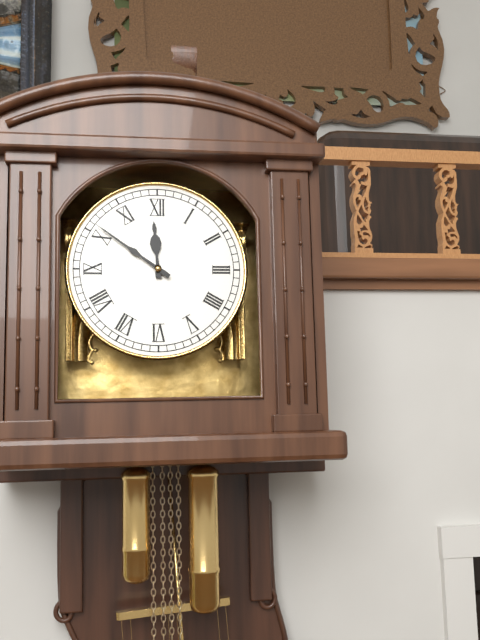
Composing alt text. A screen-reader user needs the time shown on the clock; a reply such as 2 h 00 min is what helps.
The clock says 11 h 51 min
